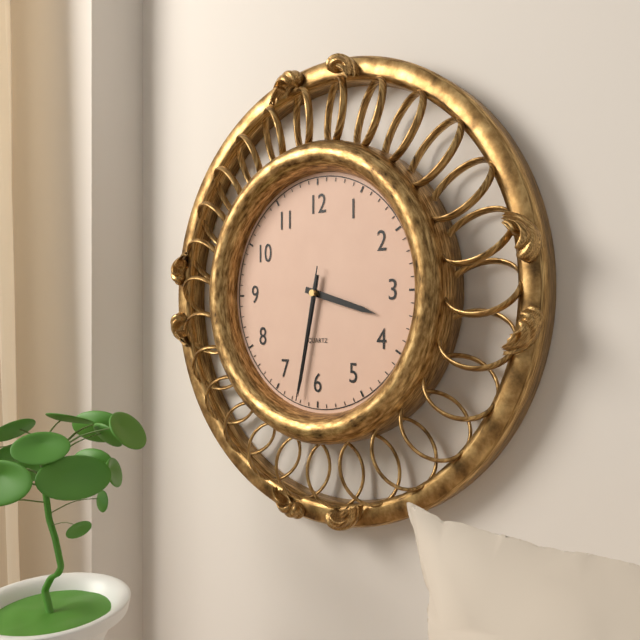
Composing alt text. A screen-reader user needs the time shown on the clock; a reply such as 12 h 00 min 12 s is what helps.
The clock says 3 h 32 min 32 s
